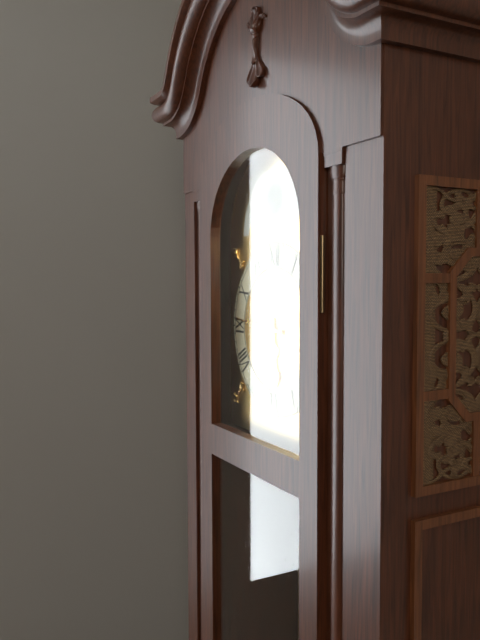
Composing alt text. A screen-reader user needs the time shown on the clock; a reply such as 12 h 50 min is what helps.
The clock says 5 h 46 min
